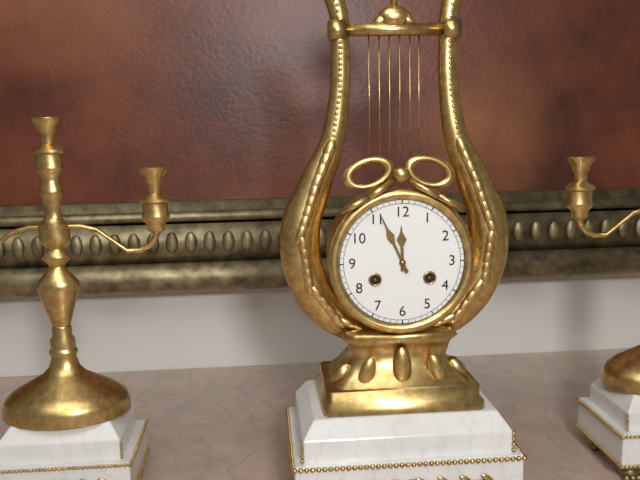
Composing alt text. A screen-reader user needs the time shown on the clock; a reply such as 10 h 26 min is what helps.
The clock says 11 h 56 min
